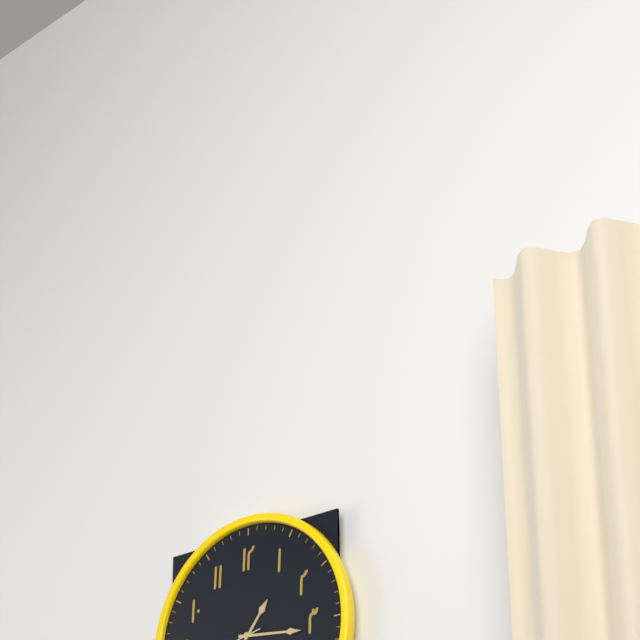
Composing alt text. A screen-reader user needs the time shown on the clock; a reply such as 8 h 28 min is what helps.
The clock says 1 h 16 min
